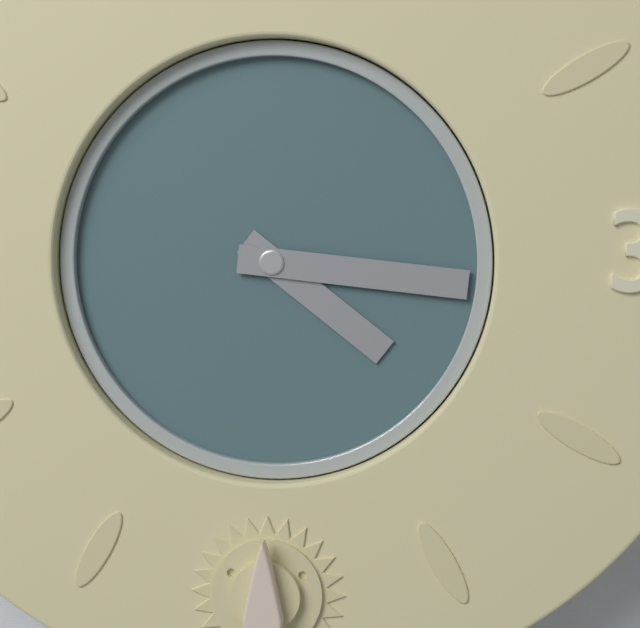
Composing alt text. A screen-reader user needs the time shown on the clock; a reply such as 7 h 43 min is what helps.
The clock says 4 h 16 min
